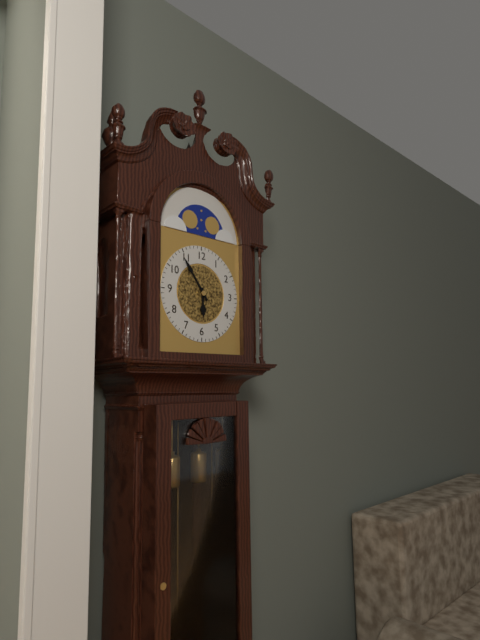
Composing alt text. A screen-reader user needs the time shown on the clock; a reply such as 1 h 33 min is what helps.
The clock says 5 h 54 min
